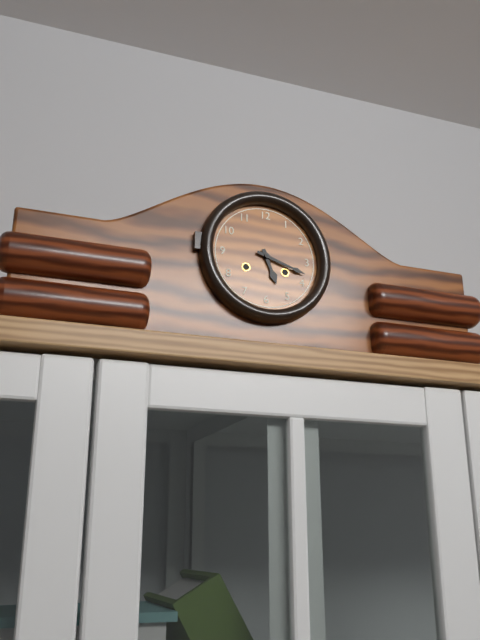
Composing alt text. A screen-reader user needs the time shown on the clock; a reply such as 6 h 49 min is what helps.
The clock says 5 h 18 min
